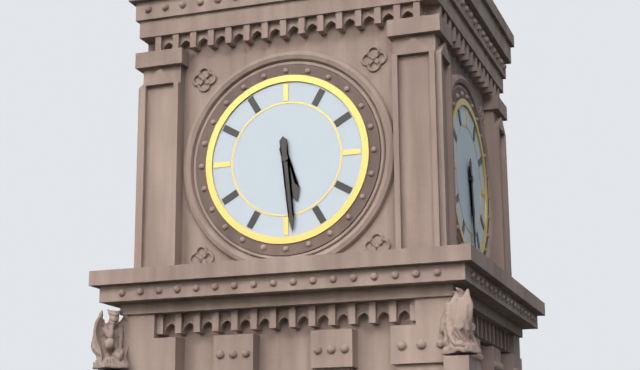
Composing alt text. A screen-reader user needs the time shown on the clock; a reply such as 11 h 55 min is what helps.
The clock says 5 h 29 min
